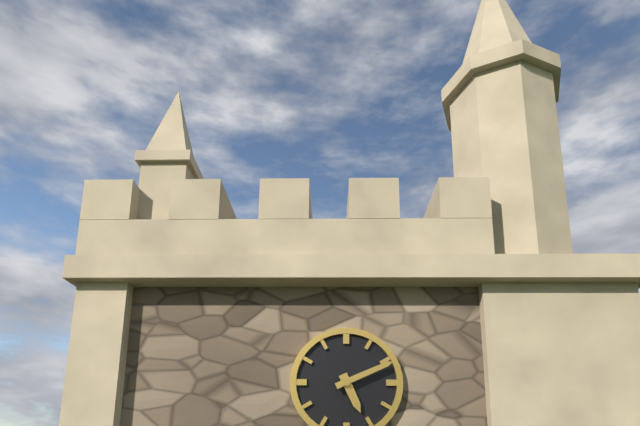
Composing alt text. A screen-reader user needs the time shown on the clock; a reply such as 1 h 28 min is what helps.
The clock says 5 h 11 min
